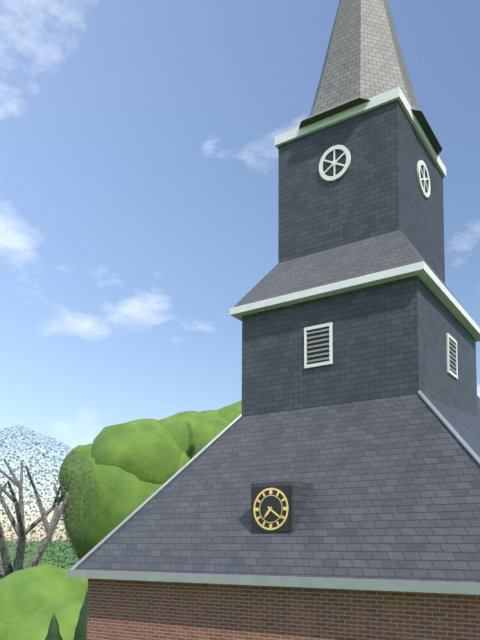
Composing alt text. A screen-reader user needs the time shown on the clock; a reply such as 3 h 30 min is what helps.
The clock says 7 h 21 min
